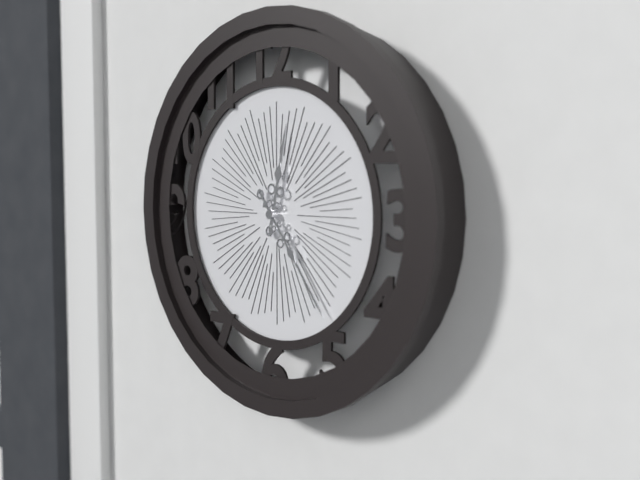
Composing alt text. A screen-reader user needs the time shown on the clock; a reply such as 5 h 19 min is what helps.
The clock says 12 h 24 min
